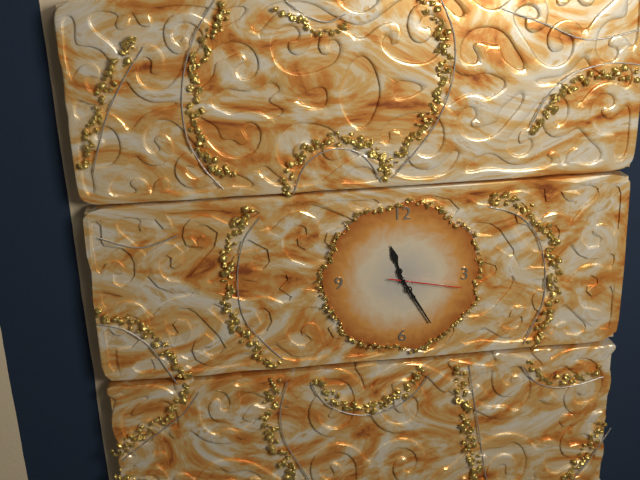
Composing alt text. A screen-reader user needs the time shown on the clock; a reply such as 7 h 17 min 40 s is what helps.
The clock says 11 h 25 min 17 s
